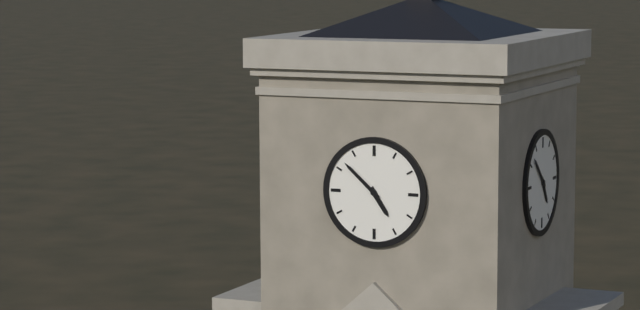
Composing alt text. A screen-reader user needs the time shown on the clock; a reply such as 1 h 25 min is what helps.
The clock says 4 h 52 min
